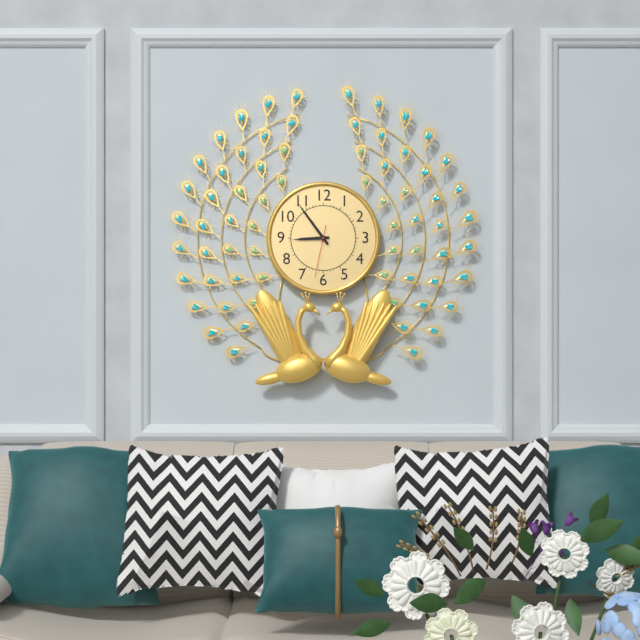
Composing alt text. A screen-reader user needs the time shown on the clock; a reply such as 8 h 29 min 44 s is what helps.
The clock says 8 h 54 min 32 s
